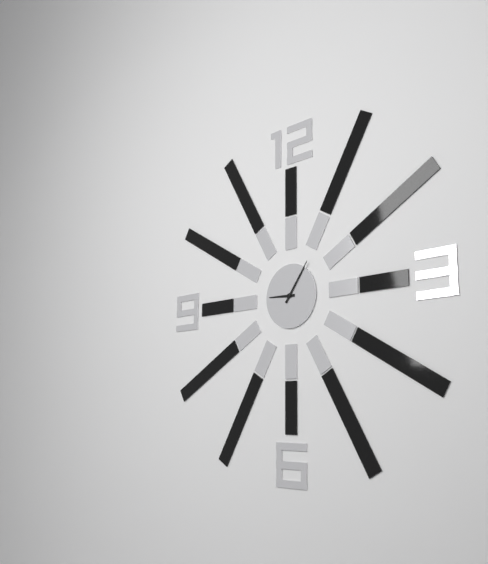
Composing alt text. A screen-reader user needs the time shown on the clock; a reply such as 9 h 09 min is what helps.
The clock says 9 h 06 min
